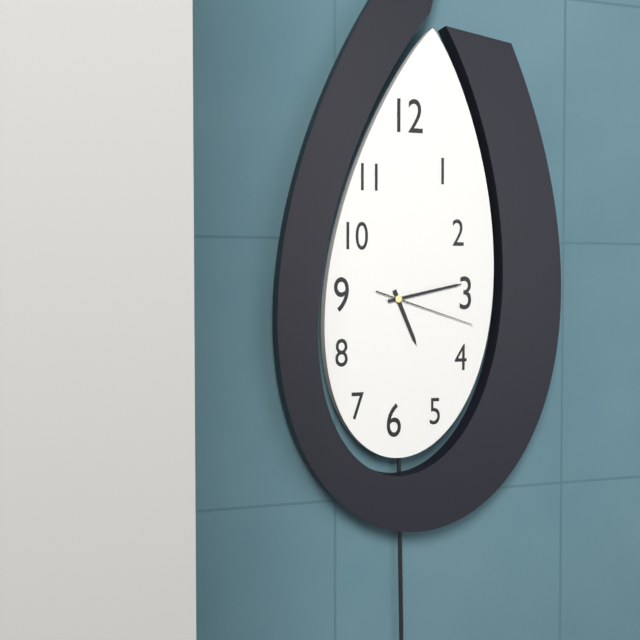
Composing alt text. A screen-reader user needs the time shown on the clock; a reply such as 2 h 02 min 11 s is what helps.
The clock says 5 h 13 min 18 s
